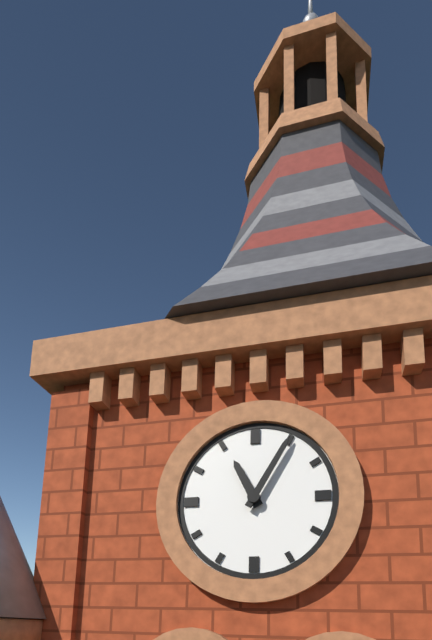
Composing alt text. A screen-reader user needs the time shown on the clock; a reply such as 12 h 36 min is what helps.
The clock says 11 h 05 min
